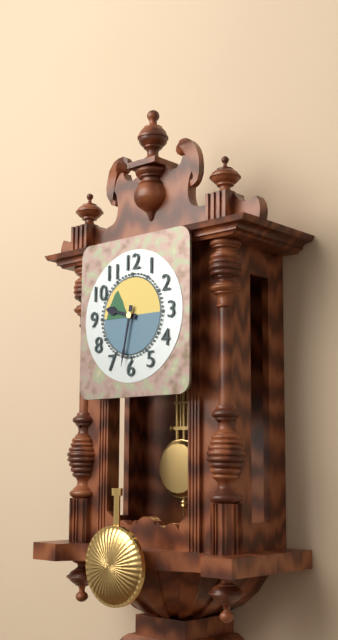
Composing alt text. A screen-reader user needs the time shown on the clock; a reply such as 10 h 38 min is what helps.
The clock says 9 h 32 min
